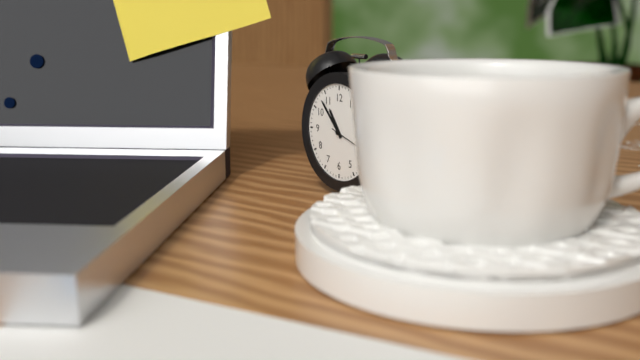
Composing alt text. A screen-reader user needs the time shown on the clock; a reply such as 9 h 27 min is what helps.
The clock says 10 h 53 min
